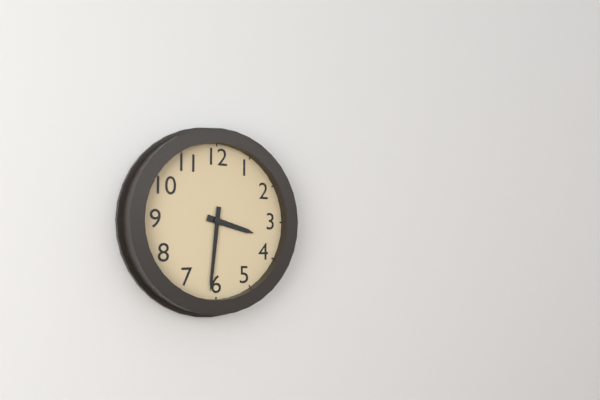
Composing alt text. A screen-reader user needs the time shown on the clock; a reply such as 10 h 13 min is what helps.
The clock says 3 h 31 min
